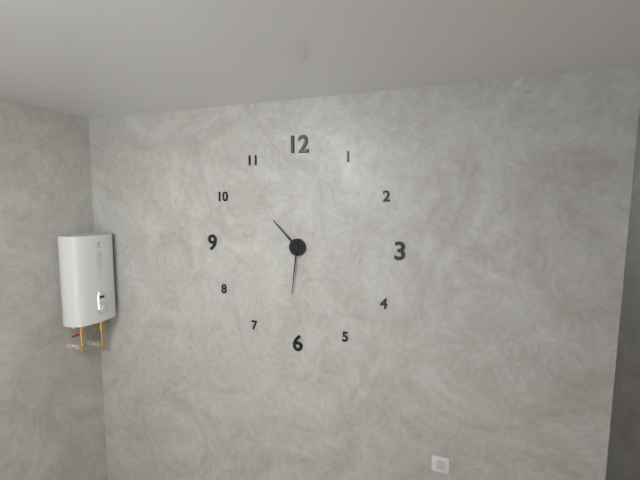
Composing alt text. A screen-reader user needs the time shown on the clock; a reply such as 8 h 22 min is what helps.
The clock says 10 h 31 min
